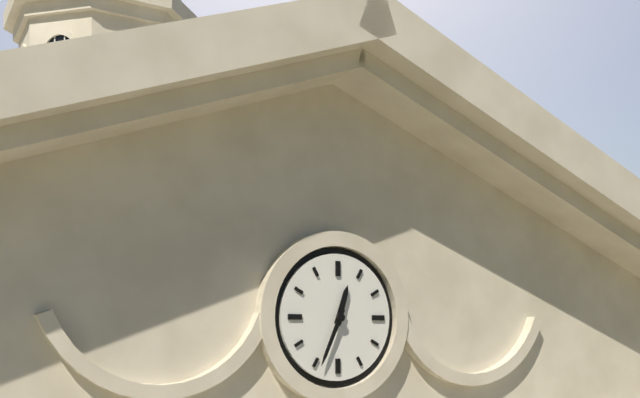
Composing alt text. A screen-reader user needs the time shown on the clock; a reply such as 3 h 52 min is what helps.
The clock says 12 h 34 min
